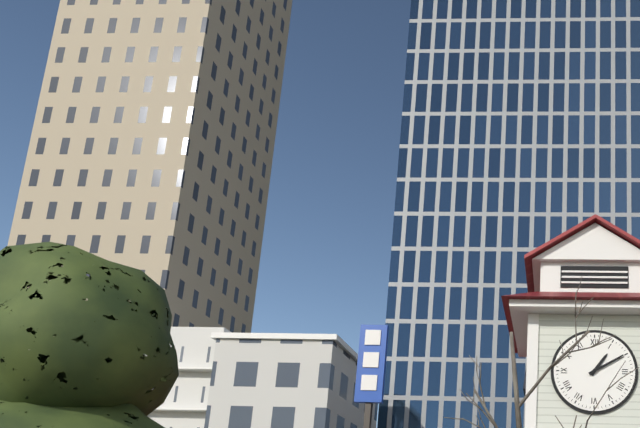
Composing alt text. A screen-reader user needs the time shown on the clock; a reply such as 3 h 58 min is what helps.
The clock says 1 h 10 min
